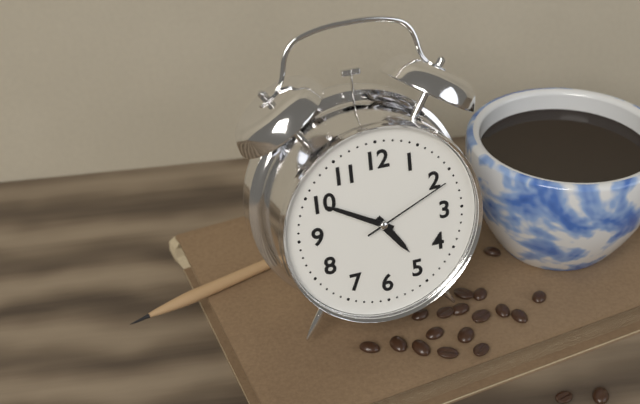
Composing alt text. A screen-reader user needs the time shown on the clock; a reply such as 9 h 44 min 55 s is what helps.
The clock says 4 h 50 min 11 s
